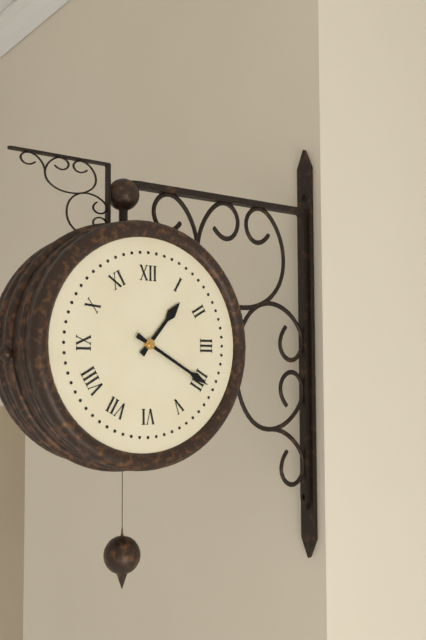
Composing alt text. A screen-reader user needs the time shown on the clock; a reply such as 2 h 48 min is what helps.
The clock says 1 h 20 min
